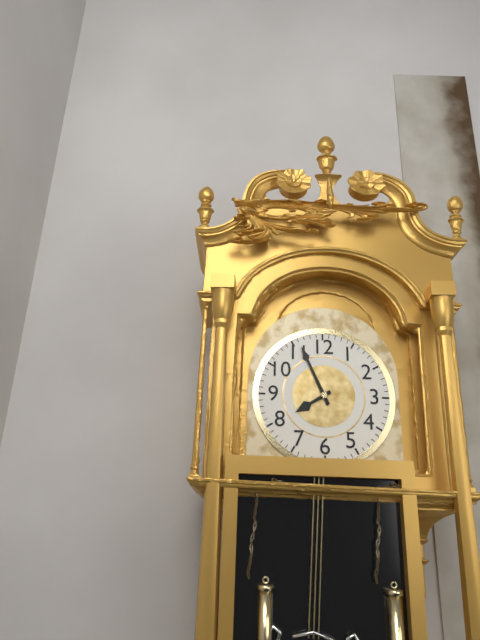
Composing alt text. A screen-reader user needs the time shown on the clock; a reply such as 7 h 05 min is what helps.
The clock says 7 h 56 min
